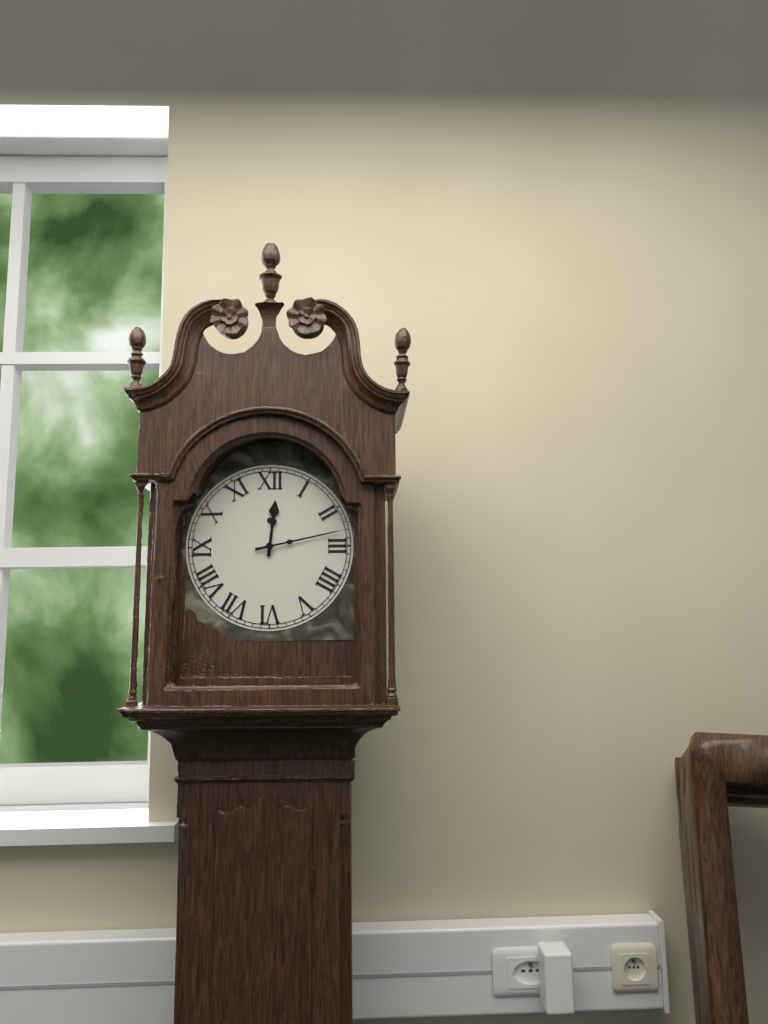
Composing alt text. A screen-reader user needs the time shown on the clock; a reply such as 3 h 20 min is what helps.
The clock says 12 h 13 min
